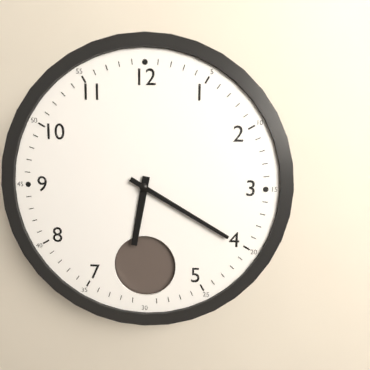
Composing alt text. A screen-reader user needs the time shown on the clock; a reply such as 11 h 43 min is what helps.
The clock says 6 h 20 min
